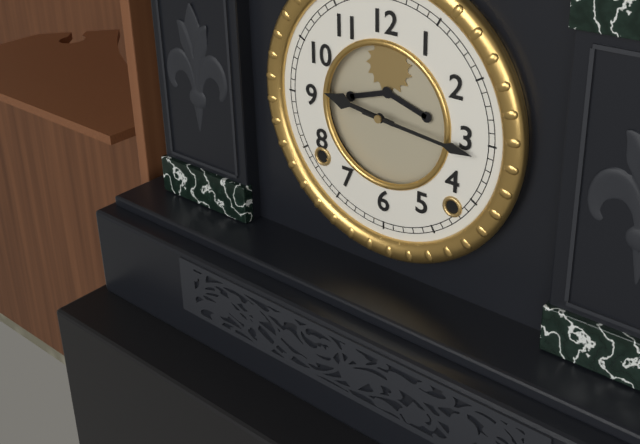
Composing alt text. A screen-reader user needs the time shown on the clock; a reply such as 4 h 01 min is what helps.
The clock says 9 h 16 min
